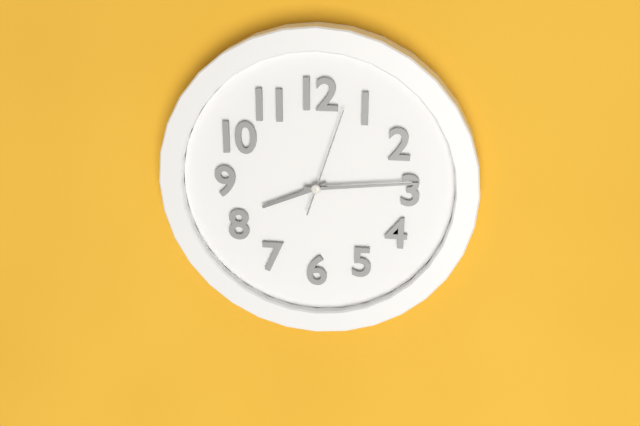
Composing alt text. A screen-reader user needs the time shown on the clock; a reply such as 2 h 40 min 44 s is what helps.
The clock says 8 h 14 min 03 s
